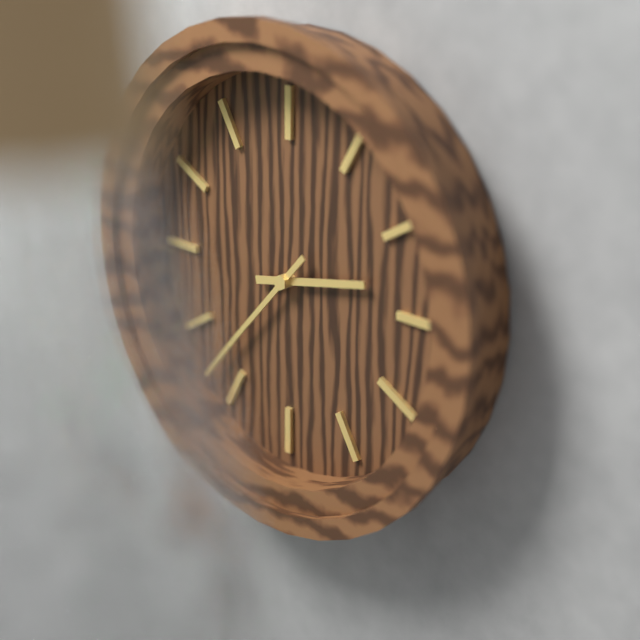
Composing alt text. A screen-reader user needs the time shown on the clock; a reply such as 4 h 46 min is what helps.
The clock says 2 h 37 min
